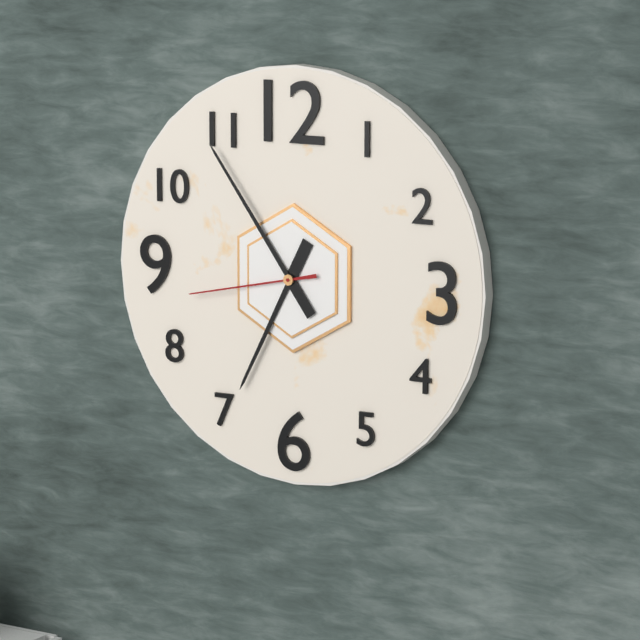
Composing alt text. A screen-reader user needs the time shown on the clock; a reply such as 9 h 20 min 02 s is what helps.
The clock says 6 h 54 min 43 s
